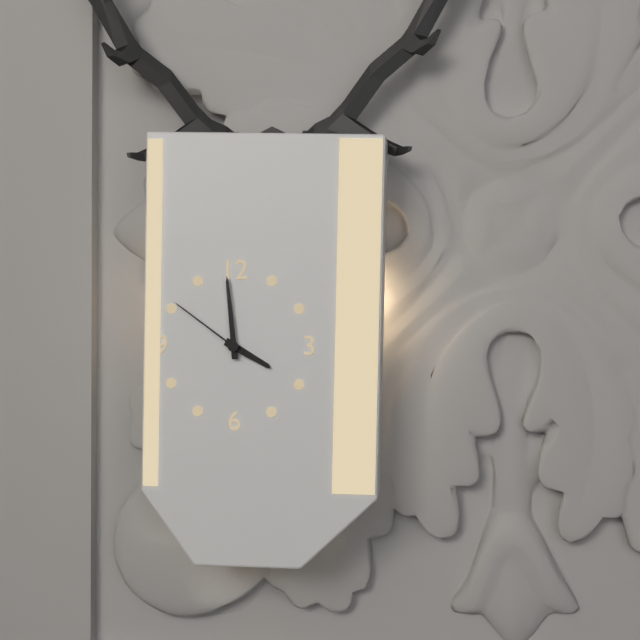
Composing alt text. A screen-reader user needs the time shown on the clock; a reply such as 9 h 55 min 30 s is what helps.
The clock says 3 h 59 min 51 s
